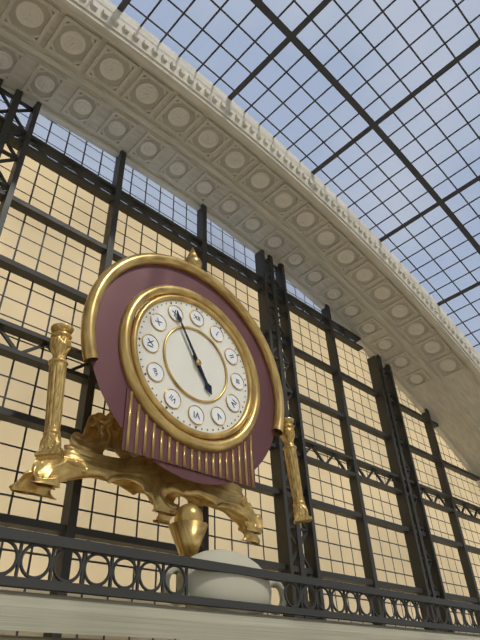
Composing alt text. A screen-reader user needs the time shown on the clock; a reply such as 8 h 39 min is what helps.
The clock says 4 h 55 min
